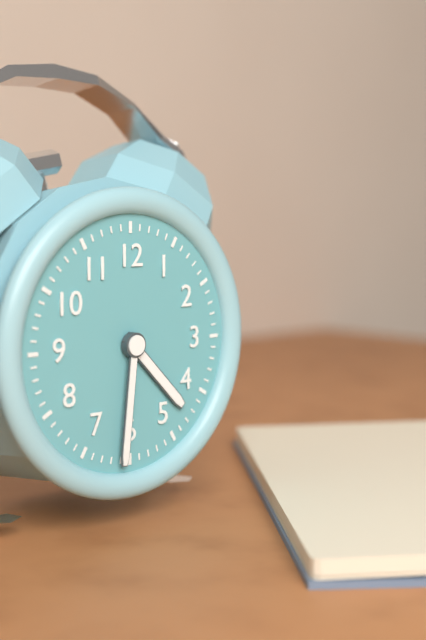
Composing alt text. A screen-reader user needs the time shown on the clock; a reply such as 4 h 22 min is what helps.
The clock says 4 h 31 min
